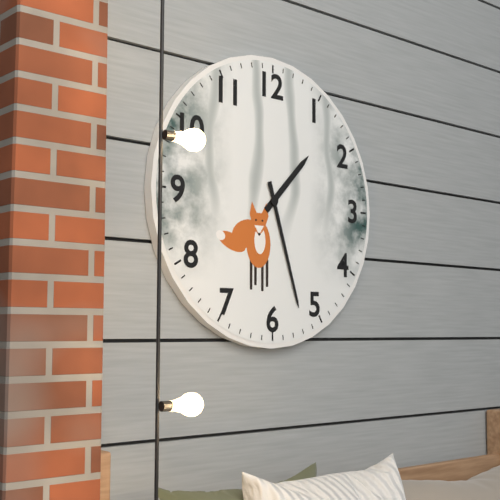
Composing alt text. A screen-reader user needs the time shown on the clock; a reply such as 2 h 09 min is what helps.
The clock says 1 h 27 min
